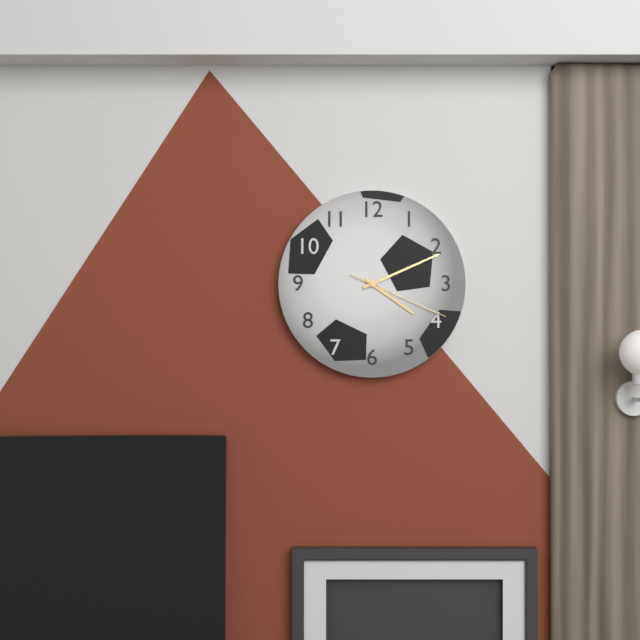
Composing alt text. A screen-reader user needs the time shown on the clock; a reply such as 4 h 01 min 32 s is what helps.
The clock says 4 h 11 min 19 s
